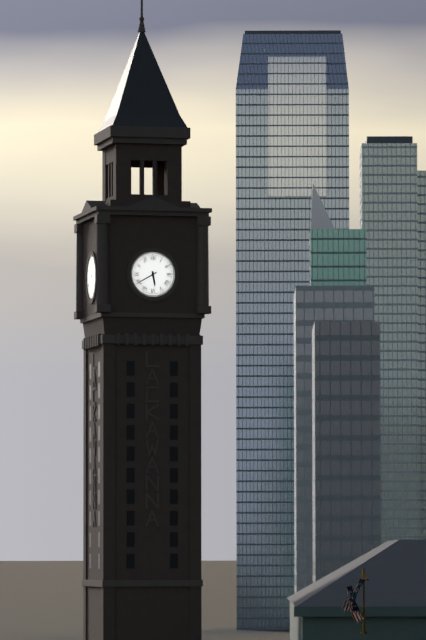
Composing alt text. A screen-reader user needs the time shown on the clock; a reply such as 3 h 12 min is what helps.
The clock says 5 h 40 min
